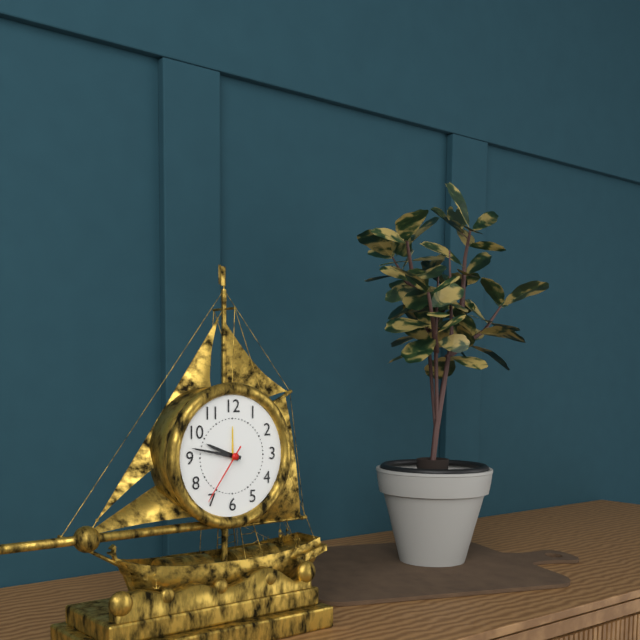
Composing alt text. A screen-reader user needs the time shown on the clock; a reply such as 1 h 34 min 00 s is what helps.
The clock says 9 h 47 min 36 s
